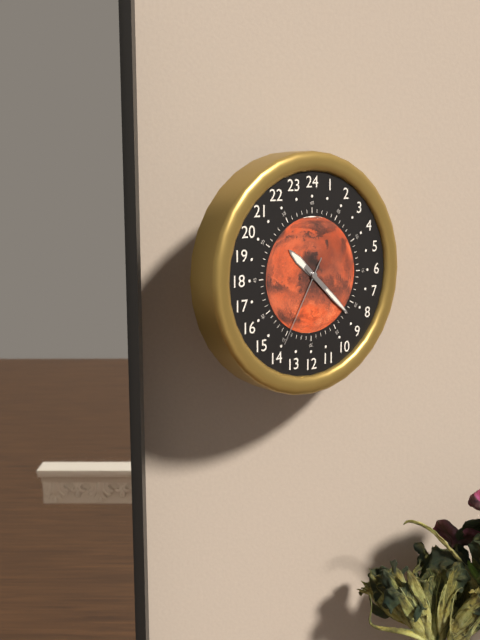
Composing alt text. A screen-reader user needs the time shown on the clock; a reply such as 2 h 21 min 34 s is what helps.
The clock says 10 h 22 min 35 s
